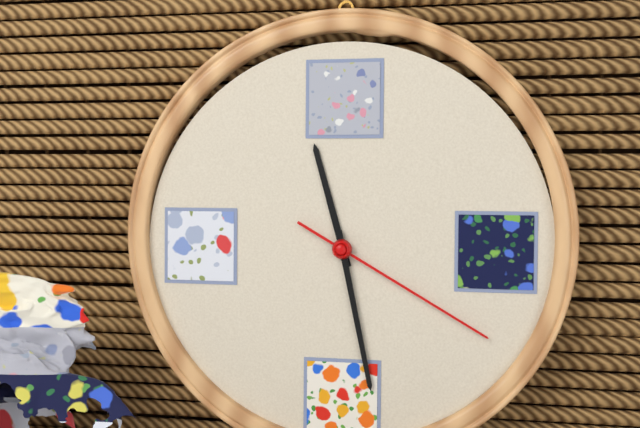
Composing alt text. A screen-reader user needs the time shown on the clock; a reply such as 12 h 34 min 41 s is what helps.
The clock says 11 h 28 min 20 s
